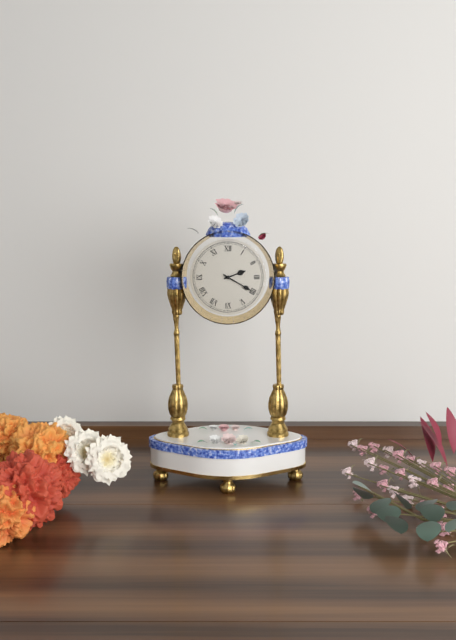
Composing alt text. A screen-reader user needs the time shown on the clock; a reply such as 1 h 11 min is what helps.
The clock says 2 h 20 min
